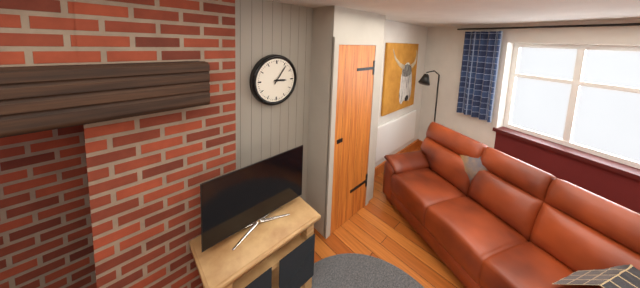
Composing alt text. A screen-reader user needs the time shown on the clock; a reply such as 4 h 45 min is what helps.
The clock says 3 h 06 min
